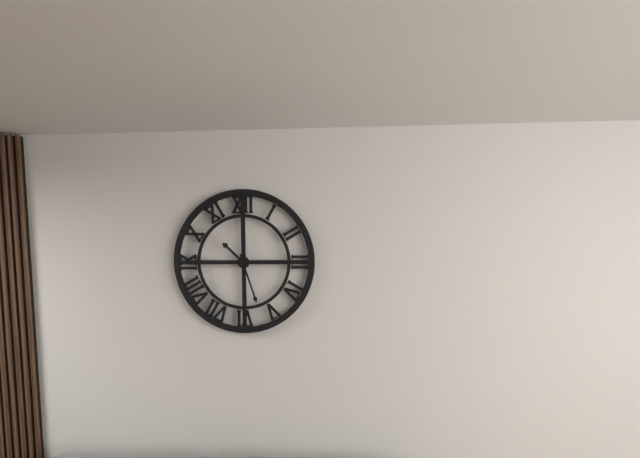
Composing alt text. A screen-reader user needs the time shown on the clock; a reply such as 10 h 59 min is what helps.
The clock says 10 h 27 min
